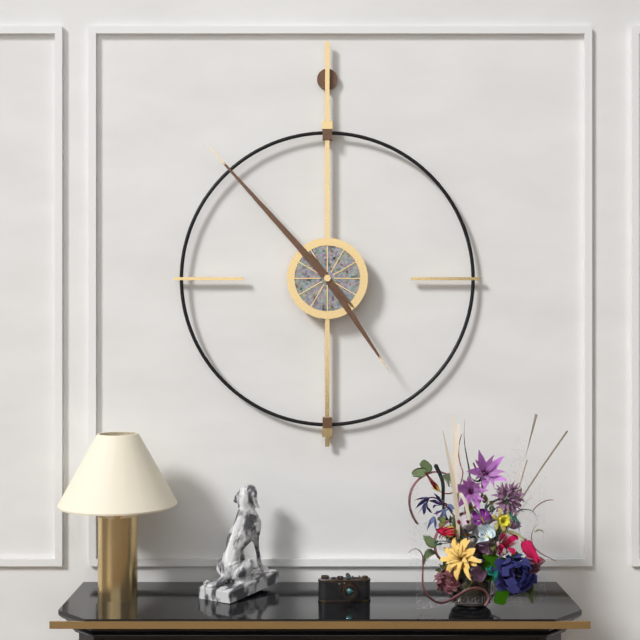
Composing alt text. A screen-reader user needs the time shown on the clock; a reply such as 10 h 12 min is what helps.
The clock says 4 h 53 min
